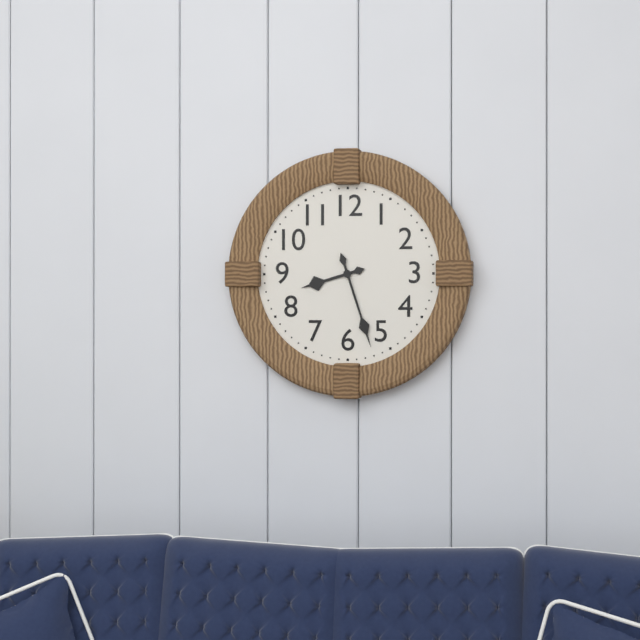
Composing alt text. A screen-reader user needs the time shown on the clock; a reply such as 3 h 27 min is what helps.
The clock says 8 h 27 min
